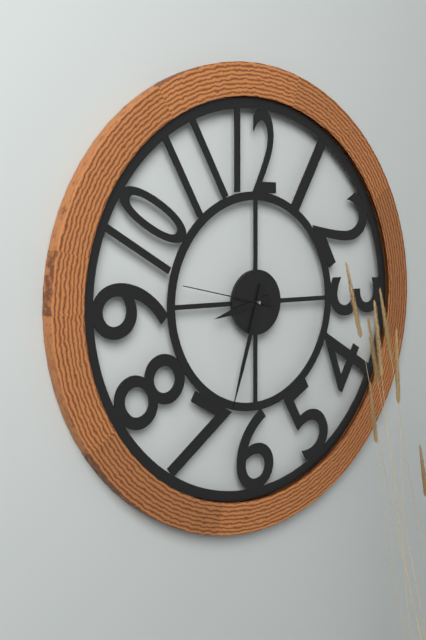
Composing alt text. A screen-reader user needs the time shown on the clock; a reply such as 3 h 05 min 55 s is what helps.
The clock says 8 h 33 min 47 s
